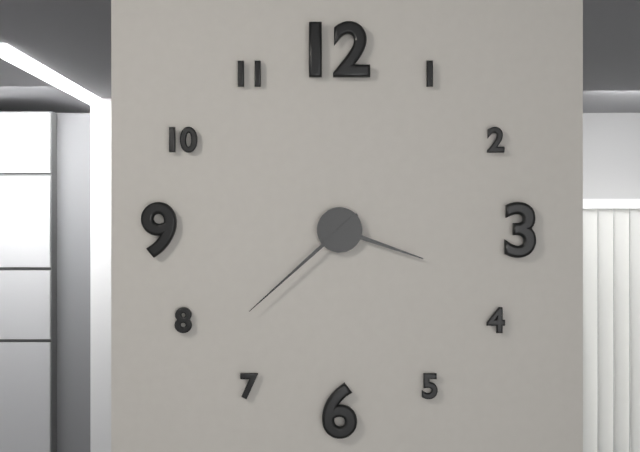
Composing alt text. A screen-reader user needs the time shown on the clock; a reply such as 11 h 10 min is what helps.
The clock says 3 h 38 min
